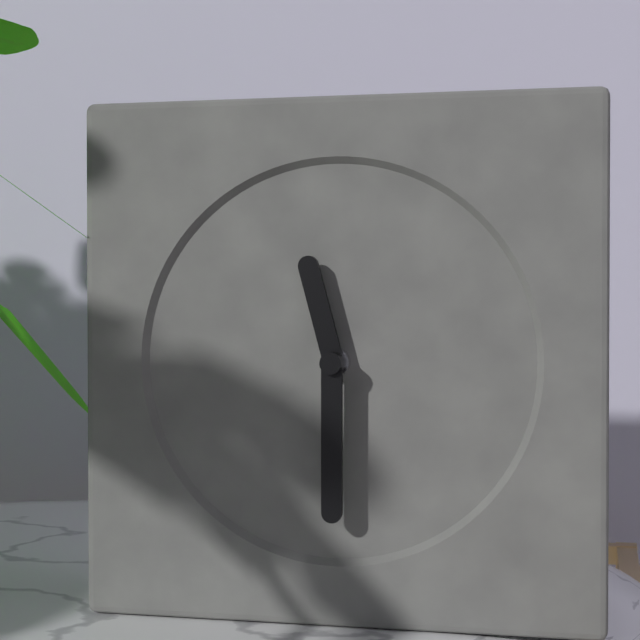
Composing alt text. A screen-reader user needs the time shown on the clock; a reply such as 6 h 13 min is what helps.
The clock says 11 h 30 min
